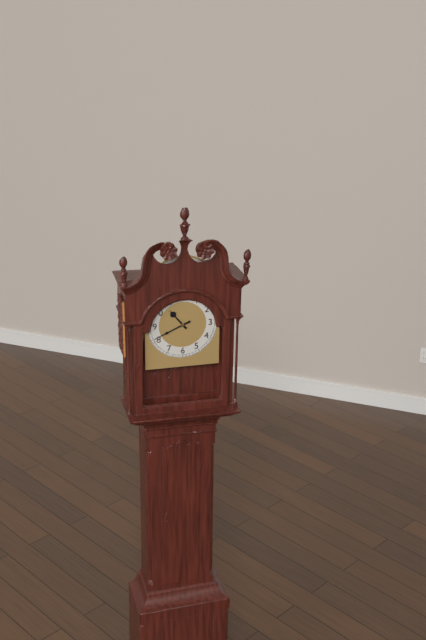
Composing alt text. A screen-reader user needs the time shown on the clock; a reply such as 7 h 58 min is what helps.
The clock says 10 h 41 min
